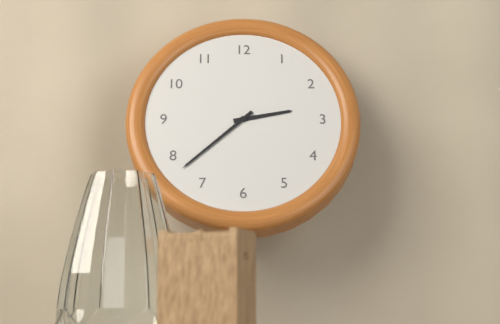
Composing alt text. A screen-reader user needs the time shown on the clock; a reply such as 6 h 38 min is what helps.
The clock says 2 h 38 min
